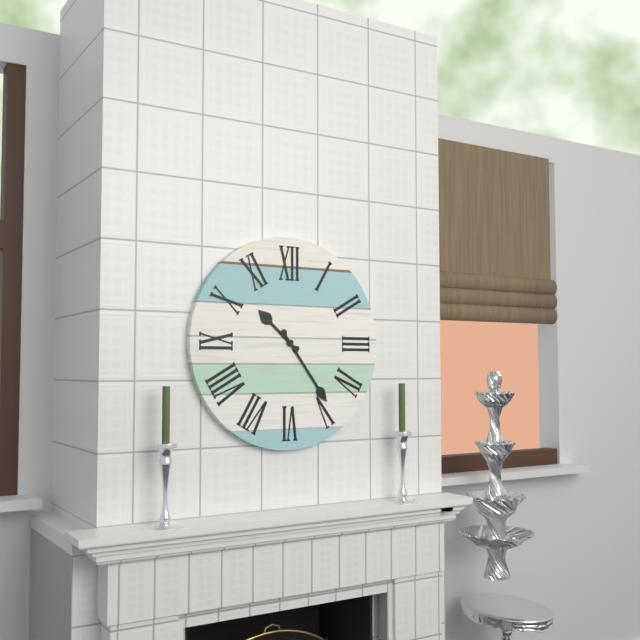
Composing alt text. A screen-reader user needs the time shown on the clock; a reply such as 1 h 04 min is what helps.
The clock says 10 h 24 min
